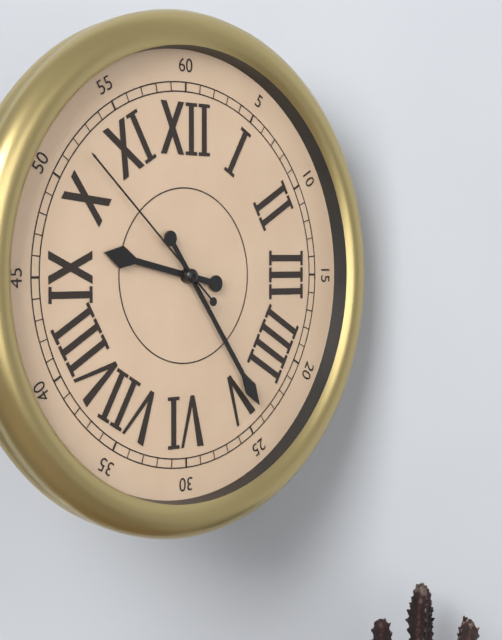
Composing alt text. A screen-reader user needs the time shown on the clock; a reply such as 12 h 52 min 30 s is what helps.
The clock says 9 h 24 min 52 s
